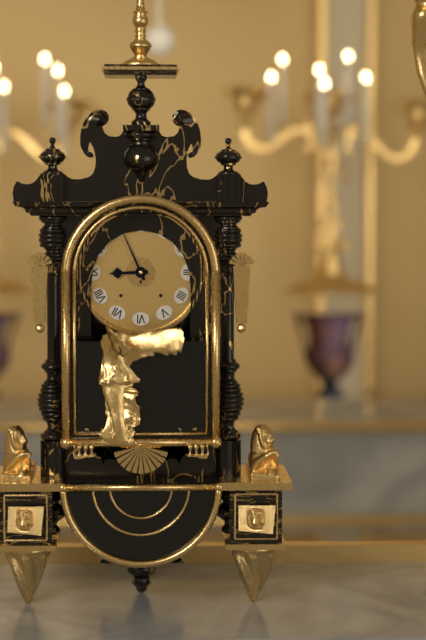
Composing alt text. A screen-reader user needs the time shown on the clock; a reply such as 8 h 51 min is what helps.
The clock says 8 h 56 min
